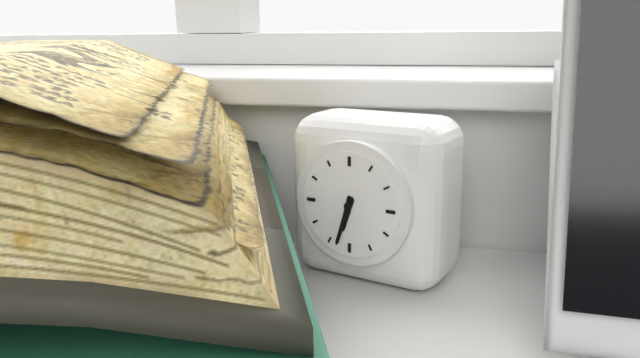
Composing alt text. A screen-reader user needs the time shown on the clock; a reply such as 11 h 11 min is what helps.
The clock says 6 h 33 min
